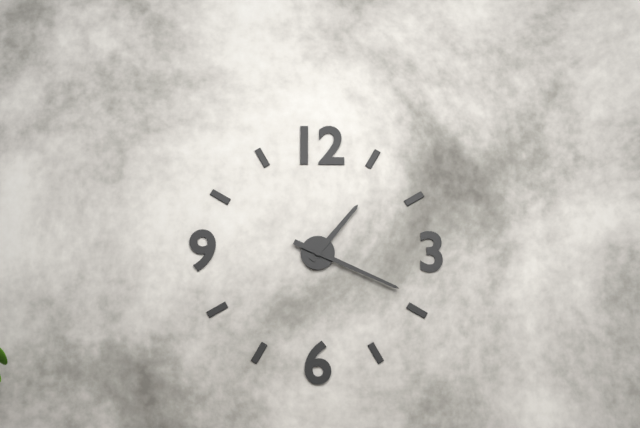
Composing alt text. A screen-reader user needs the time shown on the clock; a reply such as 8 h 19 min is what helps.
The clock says 1 h 19 min
